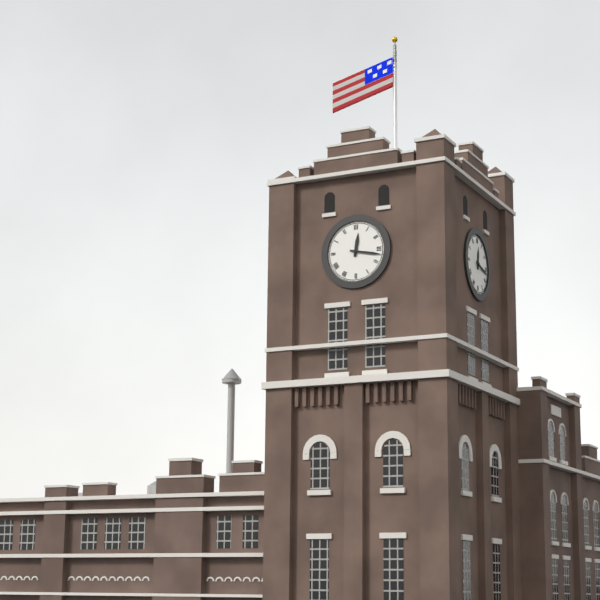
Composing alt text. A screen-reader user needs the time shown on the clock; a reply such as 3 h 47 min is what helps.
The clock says 12 h 17 min
